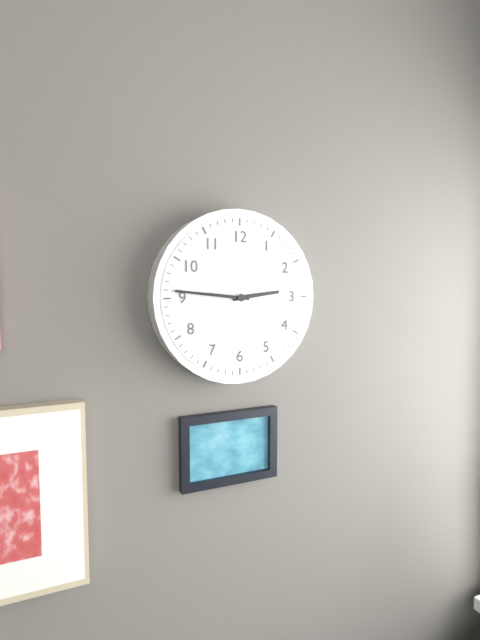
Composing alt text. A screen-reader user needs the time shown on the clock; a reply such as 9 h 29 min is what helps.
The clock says 2 h 46 min
